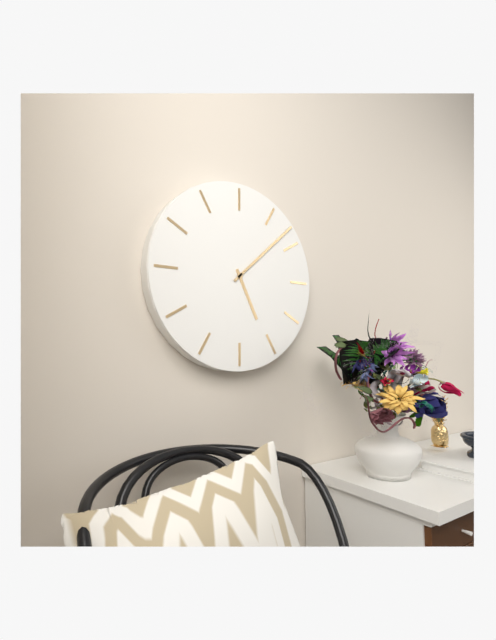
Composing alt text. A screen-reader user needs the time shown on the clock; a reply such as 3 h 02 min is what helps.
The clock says 5 h 08 min
